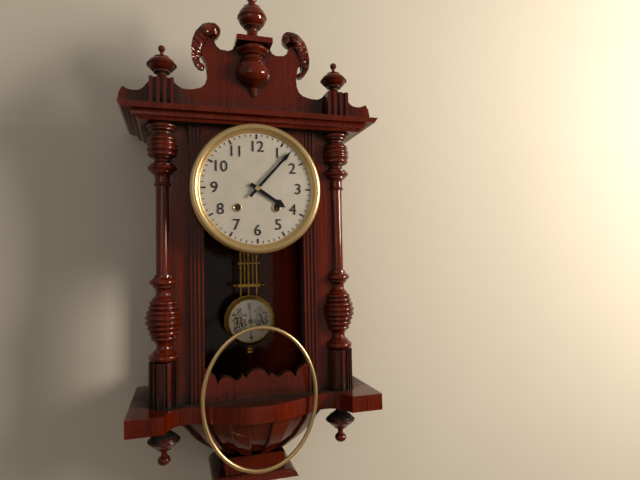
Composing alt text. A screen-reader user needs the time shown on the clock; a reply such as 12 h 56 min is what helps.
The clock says 4 h 07 min
